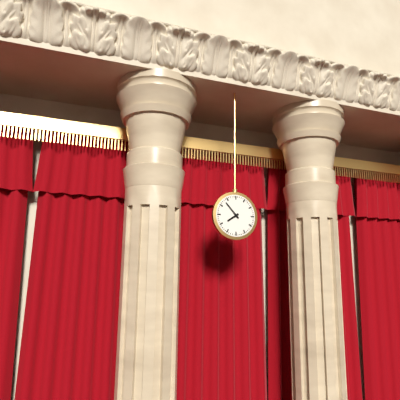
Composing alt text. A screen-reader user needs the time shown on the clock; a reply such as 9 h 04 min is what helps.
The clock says 7 h 53 min
